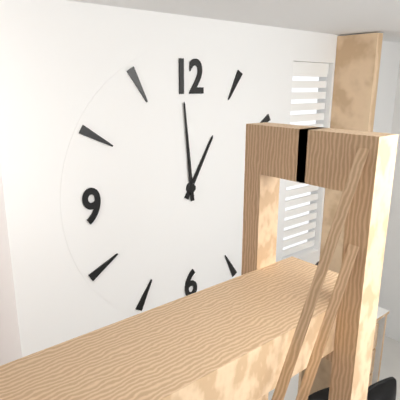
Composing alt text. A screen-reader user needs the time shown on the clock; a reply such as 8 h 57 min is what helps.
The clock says 12 h 59 min
